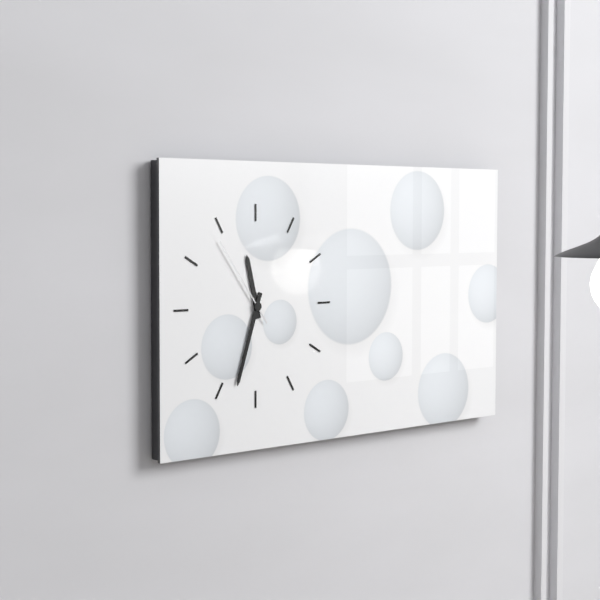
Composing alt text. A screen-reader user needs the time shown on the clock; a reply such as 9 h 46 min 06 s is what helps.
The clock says 11 h 33 min 54 s
